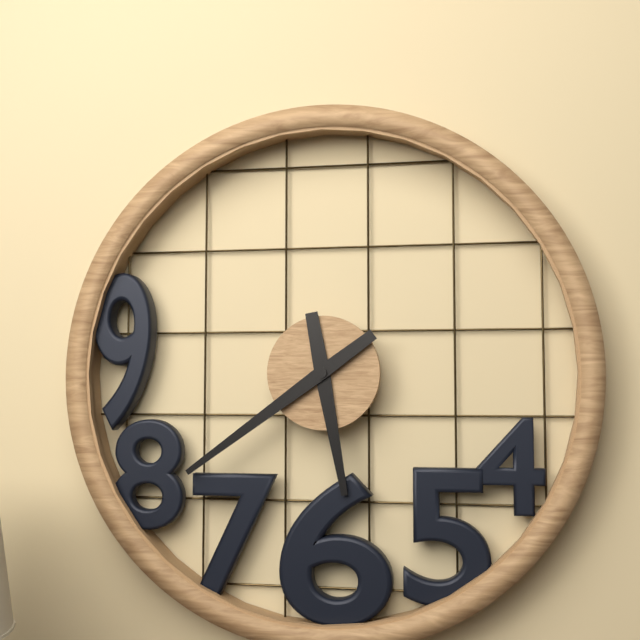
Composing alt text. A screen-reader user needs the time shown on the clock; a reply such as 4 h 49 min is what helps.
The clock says 5 h 39 min
